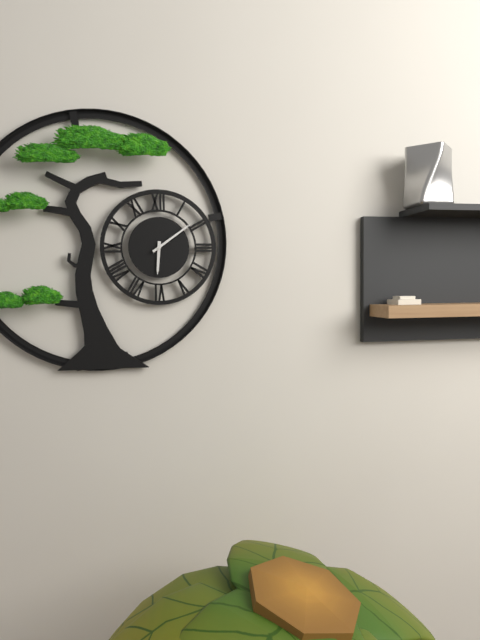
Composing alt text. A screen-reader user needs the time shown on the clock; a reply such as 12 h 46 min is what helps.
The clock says 6 h 09 min
